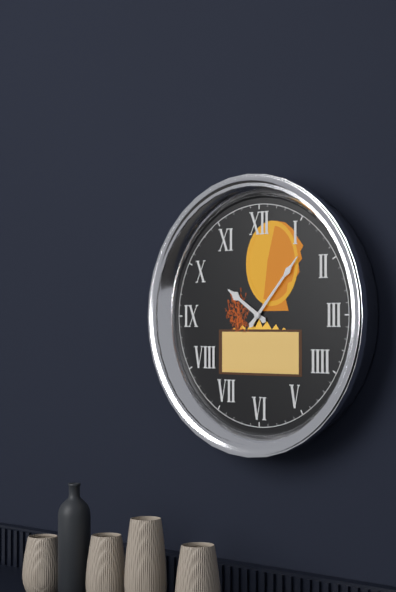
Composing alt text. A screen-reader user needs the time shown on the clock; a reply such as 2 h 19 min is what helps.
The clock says 10 h 07 min
